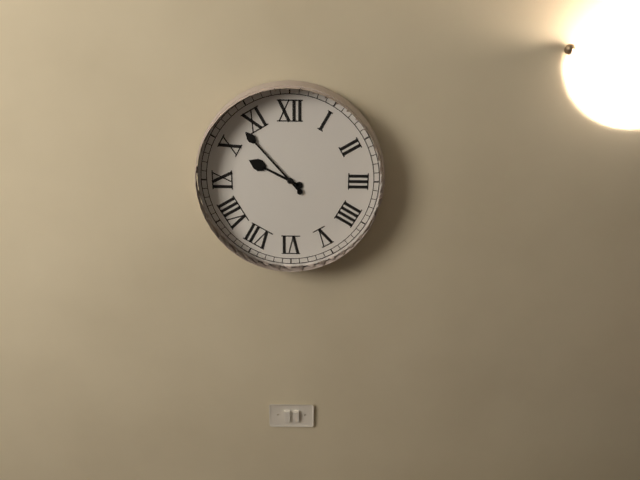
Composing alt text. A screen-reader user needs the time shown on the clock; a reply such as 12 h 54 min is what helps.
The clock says 9 h 53 min
